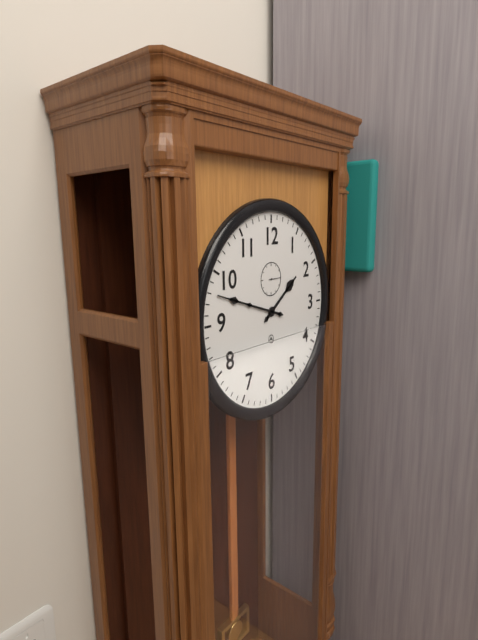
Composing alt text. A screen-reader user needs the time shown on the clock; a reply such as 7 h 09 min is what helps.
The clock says 1 h 48 min
